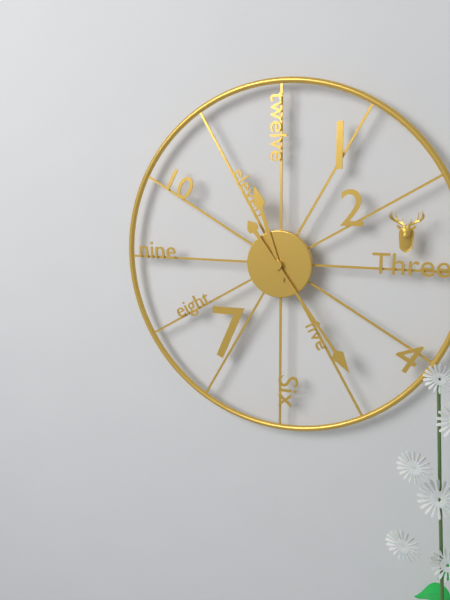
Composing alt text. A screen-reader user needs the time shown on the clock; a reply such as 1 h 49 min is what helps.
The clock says 11 h 24 min
